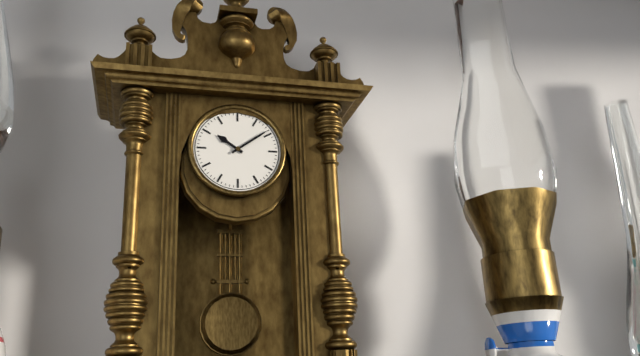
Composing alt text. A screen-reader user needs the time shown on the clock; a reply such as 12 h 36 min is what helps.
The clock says 10 h 09 min
